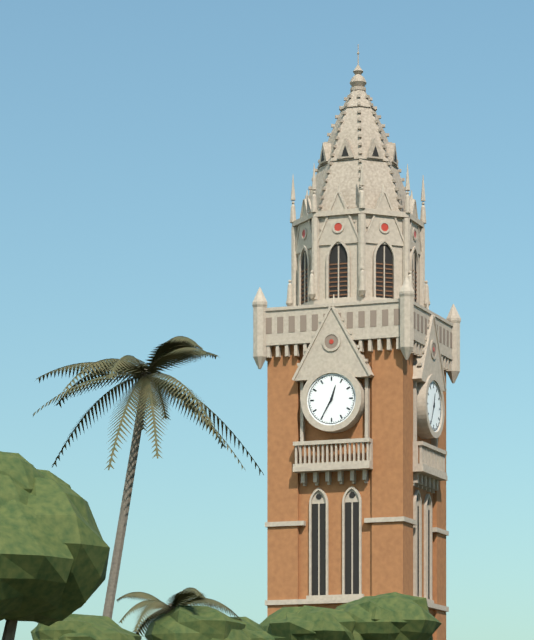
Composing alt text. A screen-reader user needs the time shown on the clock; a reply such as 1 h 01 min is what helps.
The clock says 12 h 35 min
